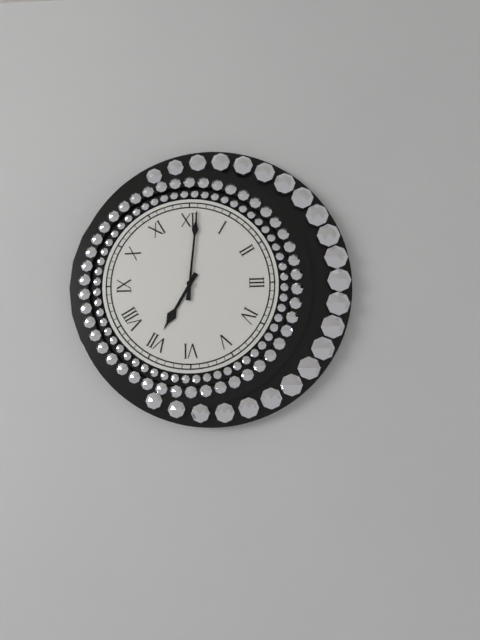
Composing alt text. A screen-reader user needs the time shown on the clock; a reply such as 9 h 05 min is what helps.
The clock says 7 h 01 min
